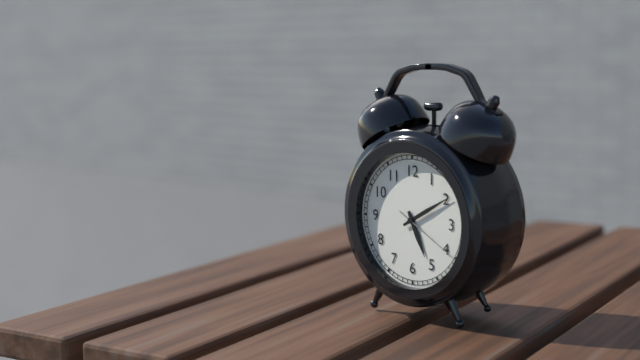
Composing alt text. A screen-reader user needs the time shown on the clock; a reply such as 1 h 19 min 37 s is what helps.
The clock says 5 h 10 min 20 s
